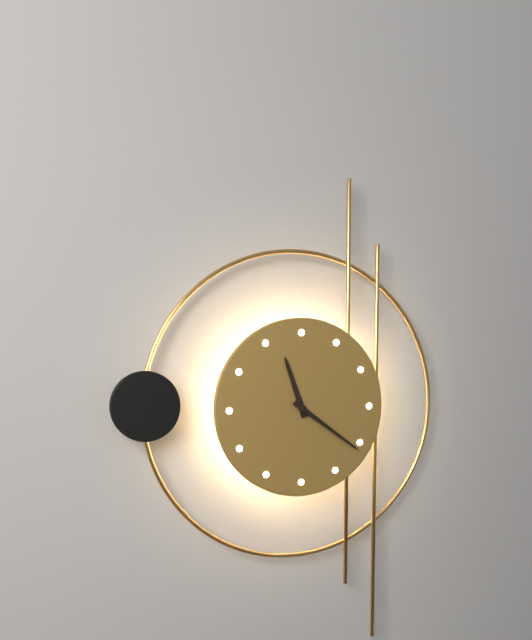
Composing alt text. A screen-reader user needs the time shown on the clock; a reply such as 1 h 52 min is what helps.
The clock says 11 h 21 min
